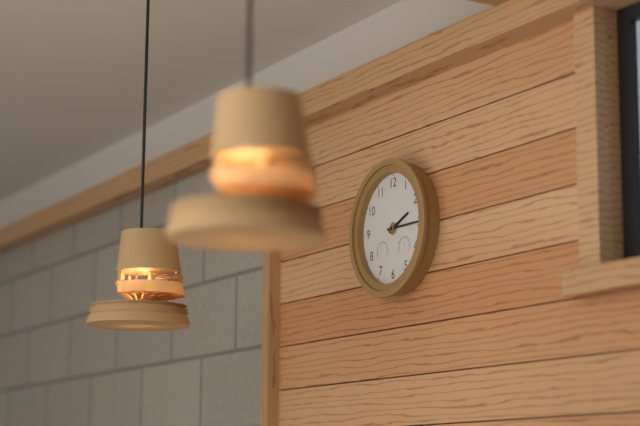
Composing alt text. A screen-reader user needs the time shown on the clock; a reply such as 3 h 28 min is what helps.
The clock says 2 h 15 min
